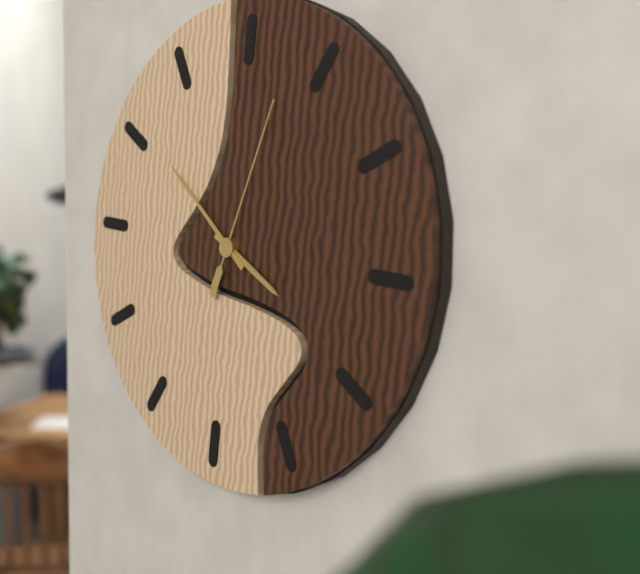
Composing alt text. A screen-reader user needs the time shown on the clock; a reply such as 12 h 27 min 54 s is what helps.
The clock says 3 h 51 min 03 s
